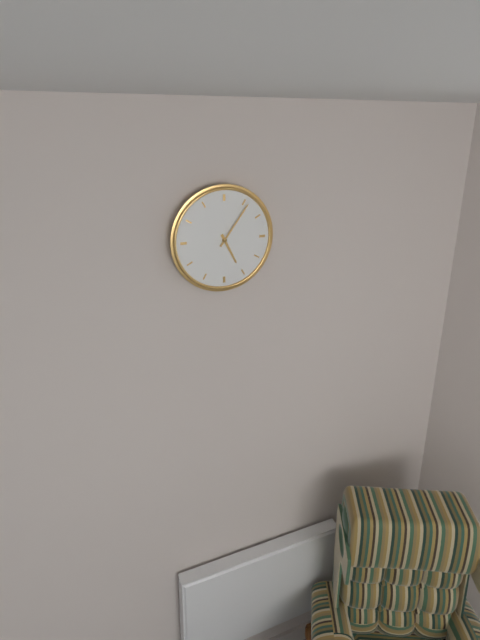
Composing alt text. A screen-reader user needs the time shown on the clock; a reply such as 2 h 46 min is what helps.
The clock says 5 h 06 min
